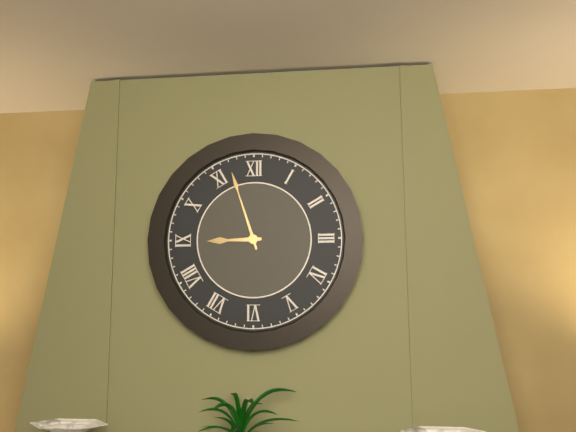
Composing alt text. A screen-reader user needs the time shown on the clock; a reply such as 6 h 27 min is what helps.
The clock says 8 h 57 min
